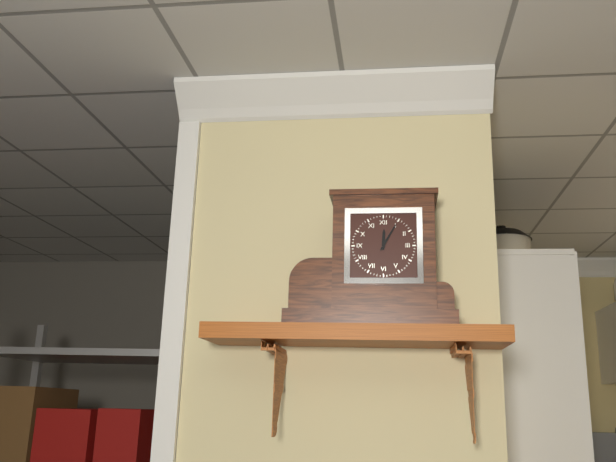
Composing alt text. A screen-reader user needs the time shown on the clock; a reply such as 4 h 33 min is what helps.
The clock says 12 h 05 min
